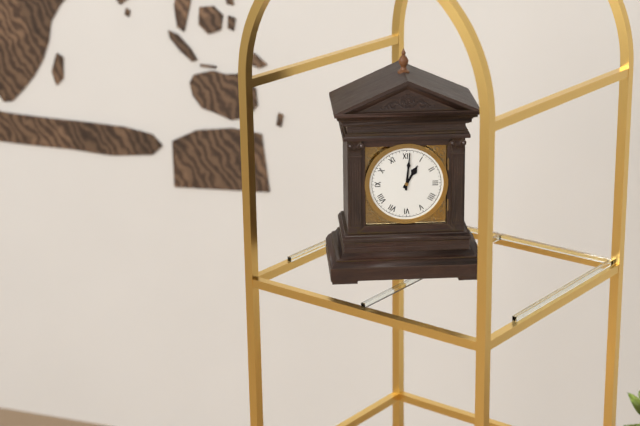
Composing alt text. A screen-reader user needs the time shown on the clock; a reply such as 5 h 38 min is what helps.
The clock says 1 h 01 min
